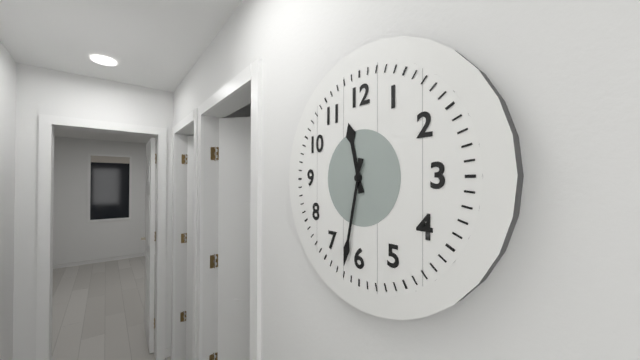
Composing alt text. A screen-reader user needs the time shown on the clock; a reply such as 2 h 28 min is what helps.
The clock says 11 h 32 min
